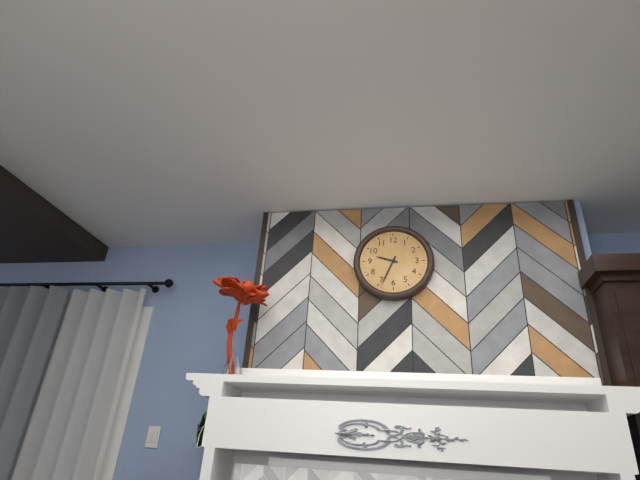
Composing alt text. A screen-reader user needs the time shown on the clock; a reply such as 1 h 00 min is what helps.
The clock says 9 h 34 min
